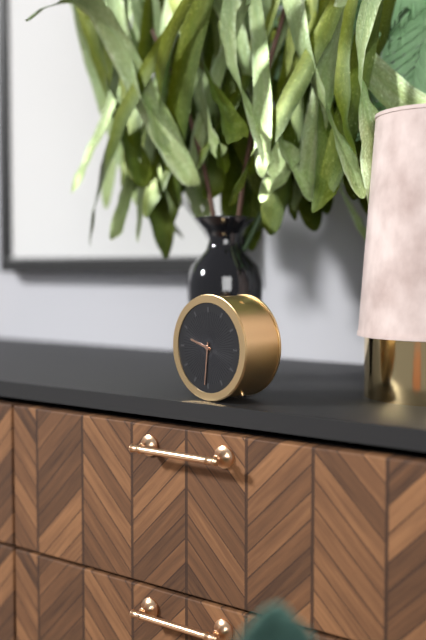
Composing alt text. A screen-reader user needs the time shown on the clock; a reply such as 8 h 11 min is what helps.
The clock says 9 h 31 min
